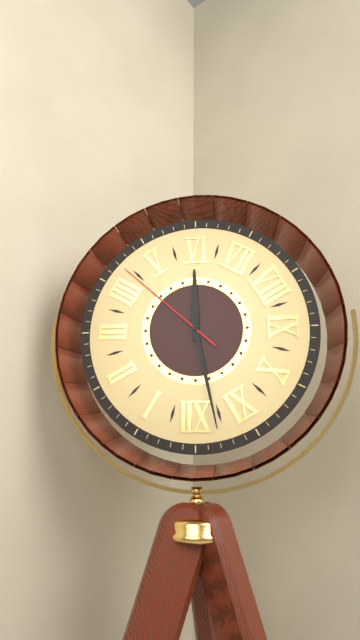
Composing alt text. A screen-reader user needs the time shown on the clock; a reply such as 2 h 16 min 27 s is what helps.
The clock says 5 h 58 min 22 s
